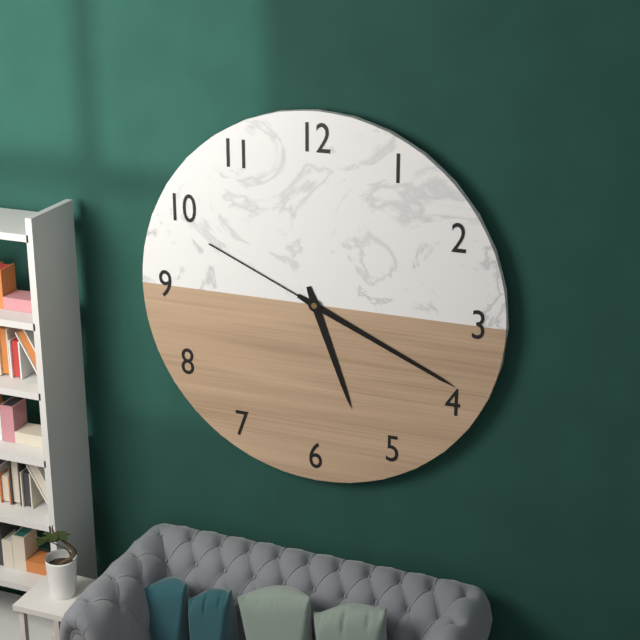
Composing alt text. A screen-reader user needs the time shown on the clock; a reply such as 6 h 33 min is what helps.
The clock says 5 h 19 min
